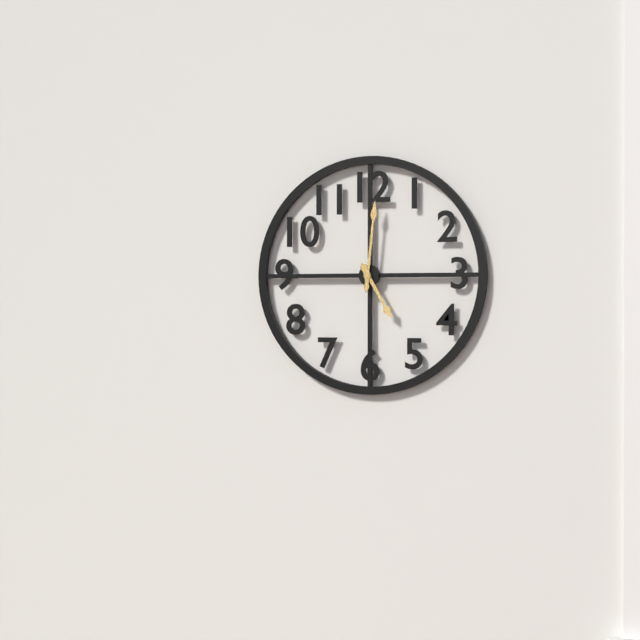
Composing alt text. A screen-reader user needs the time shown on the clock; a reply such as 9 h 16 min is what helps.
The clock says 5 h 01 min
